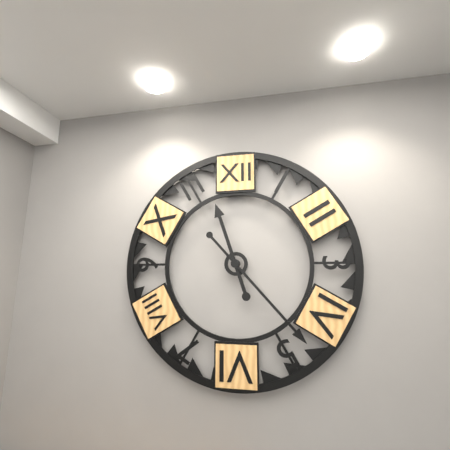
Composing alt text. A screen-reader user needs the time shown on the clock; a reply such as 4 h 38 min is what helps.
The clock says 11 h 23 min
